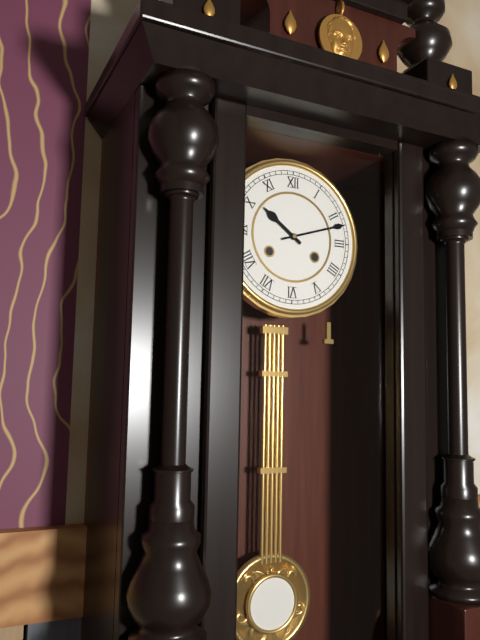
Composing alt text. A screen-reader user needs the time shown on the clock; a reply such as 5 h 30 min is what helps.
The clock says 10 h 12 min
